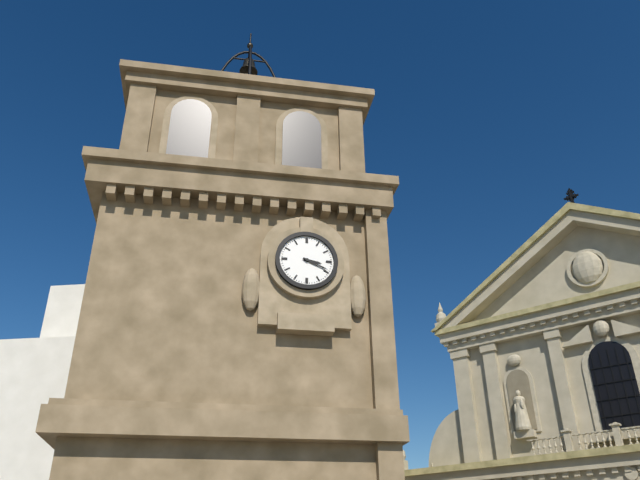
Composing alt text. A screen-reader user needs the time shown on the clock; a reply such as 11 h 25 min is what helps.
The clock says 3 h 19 min
